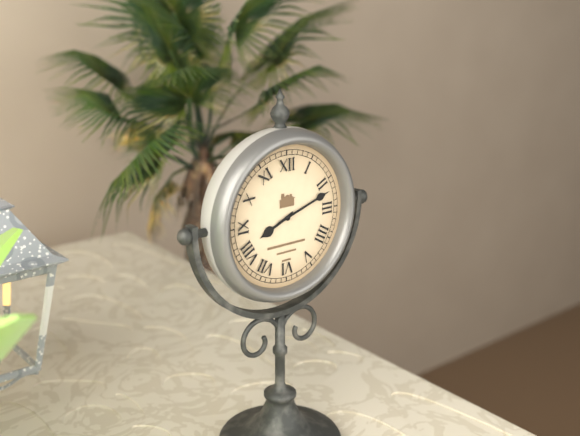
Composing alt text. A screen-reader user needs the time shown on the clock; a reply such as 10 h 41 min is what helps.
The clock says 8 h 12 min
